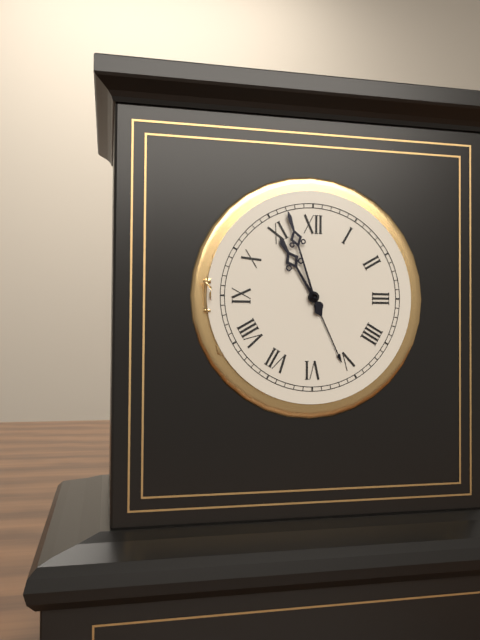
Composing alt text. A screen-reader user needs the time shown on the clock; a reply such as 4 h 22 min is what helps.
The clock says 10 h 57 min
